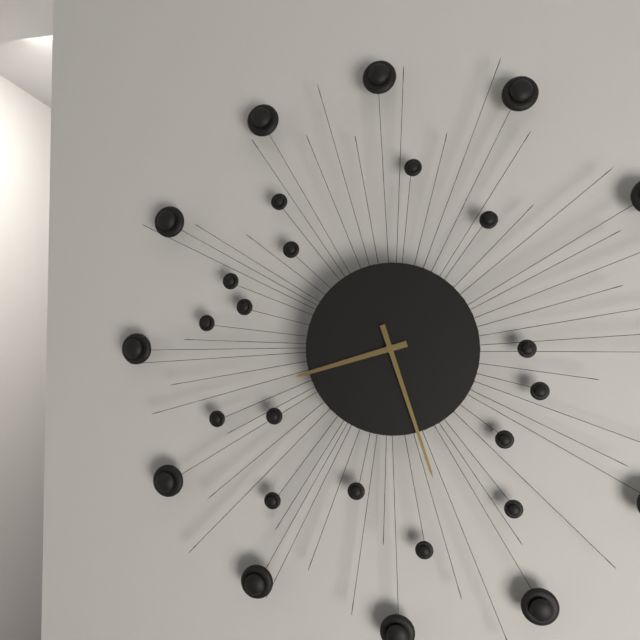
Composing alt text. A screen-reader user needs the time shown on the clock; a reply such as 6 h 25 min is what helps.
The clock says 8 h 27 min
